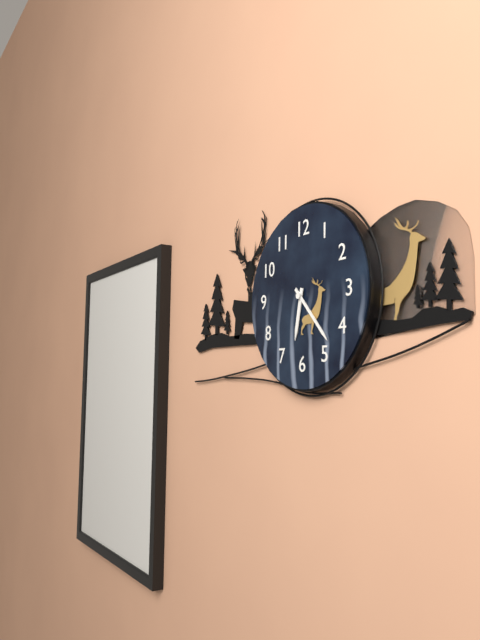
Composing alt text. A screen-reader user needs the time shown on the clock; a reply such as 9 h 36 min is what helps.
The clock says 6 h 23 min
